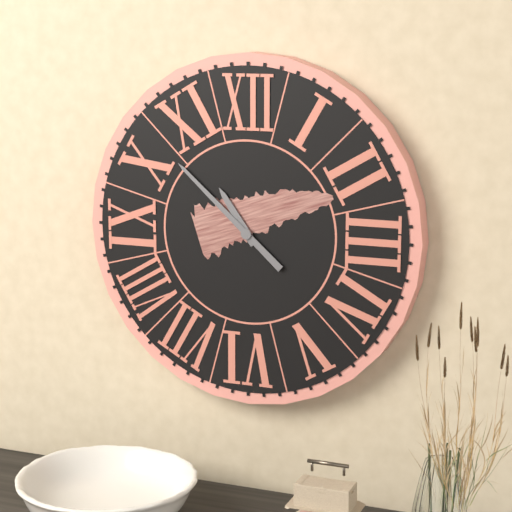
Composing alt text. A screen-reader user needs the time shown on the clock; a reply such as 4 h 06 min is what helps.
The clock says 10 h 52 min
